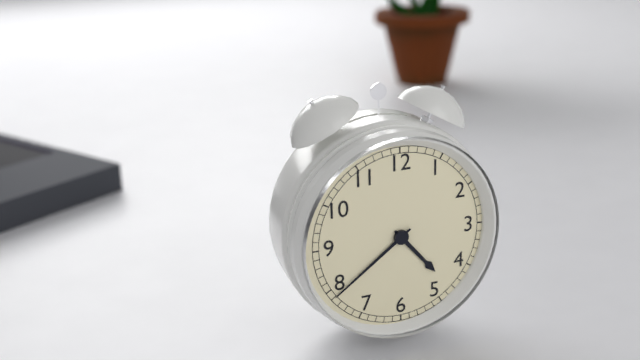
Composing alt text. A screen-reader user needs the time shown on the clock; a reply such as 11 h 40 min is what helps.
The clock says 4 h 39 min
